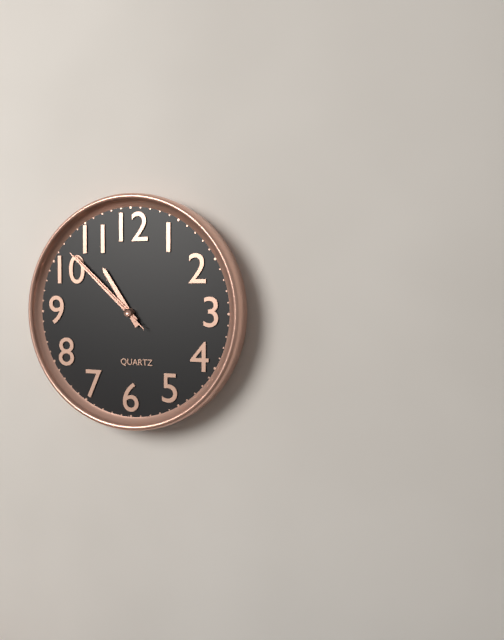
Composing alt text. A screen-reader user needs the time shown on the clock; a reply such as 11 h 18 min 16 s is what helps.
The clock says 10 h 52 min 52 s
